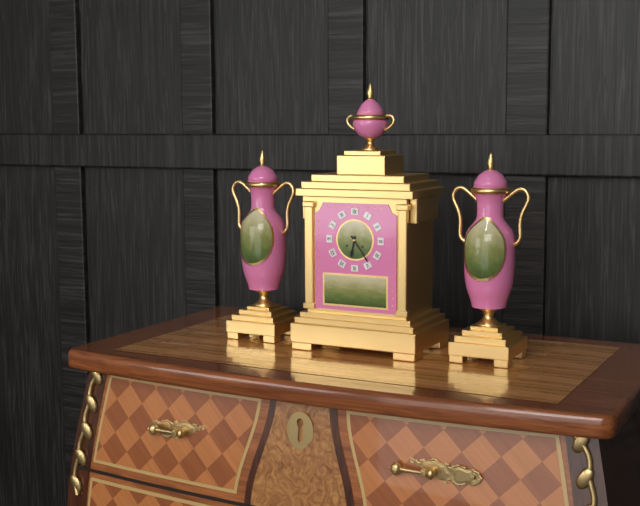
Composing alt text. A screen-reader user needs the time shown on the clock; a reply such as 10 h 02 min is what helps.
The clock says 6 h 24 min
